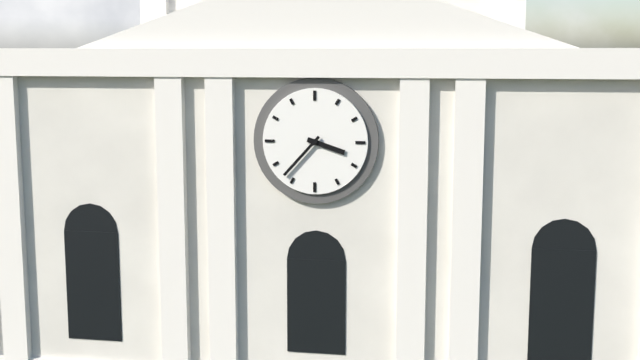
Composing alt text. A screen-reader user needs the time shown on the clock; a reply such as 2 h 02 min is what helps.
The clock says 3 h 37 min
